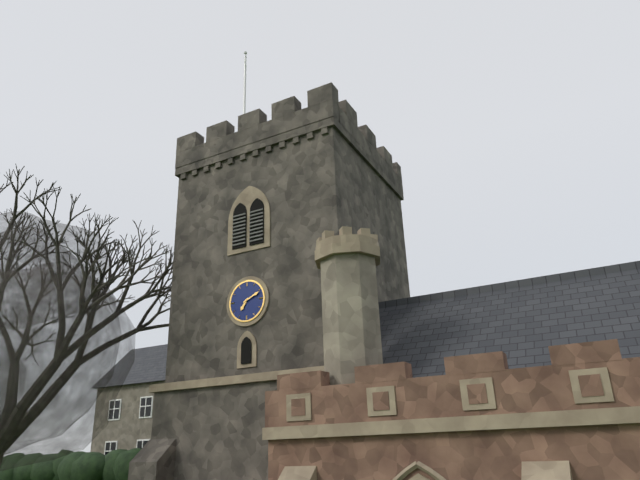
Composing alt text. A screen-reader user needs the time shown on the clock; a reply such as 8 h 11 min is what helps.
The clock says 7 h 11 min
